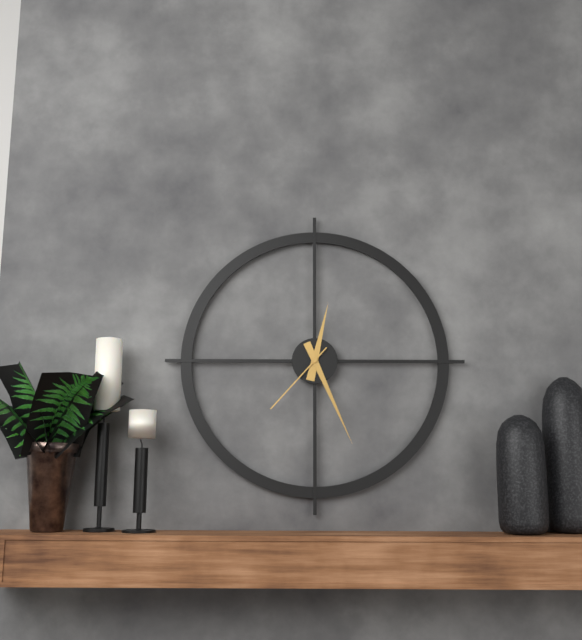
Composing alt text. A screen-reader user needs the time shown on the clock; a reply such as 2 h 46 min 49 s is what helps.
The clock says 12 h 26 min 37 s
